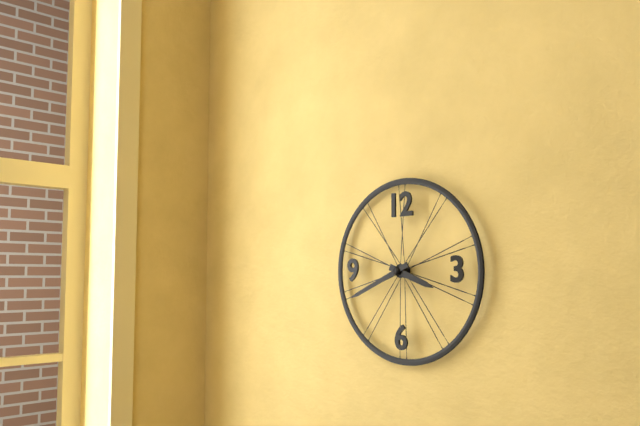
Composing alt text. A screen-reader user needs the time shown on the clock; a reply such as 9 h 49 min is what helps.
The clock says 3 h 41 min
